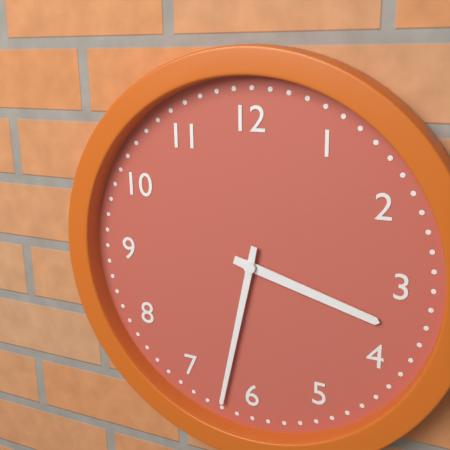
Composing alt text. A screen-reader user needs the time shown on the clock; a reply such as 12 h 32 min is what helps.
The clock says 3 h 32 min
